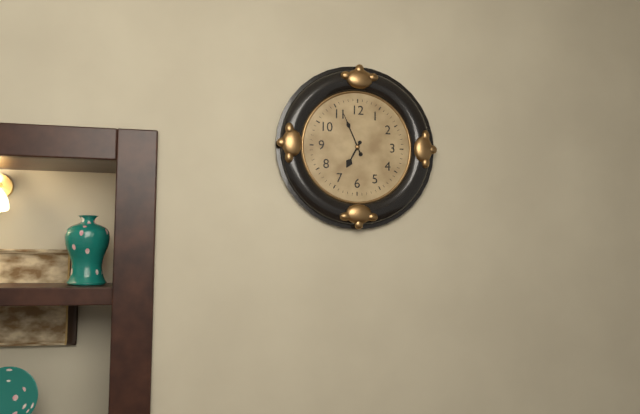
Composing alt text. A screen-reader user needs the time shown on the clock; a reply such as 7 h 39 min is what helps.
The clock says 6 h 56 min
